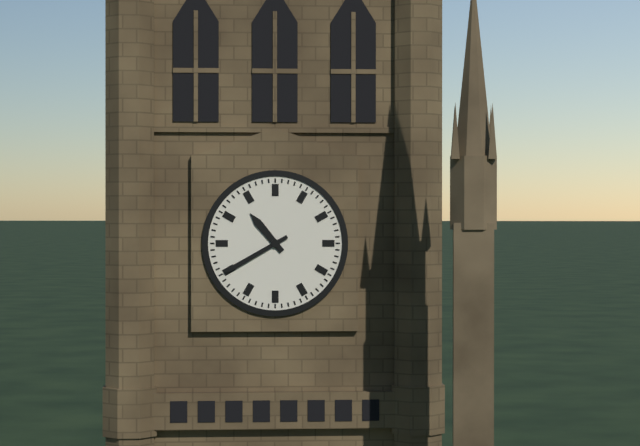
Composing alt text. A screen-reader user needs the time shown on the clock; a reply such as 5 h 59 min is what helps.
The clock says 10 h 40 min
